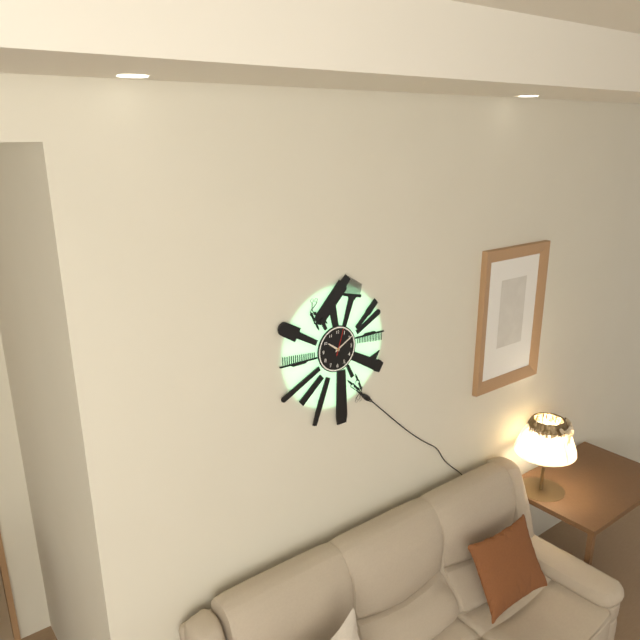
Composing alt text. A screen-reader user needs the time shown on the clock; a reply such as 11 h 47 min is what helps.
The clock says 10 h 10 min
